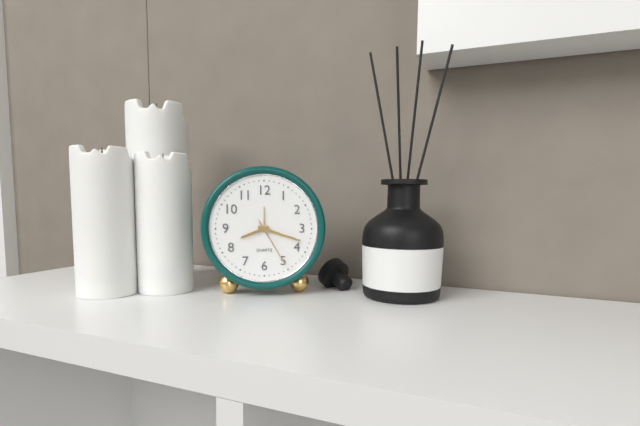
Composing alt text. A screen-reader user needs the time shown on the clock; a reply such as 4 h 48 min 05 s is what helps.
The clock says 8 h 18 min 25 s
